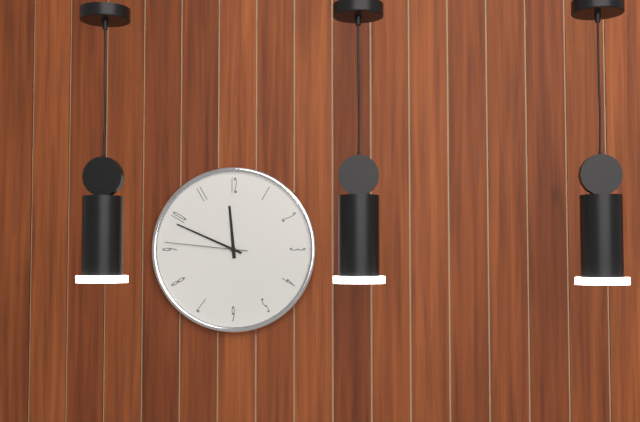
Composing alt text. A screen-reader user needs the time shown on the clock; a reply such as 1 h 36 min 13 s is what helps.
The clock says 11 h 49 min 46 s
